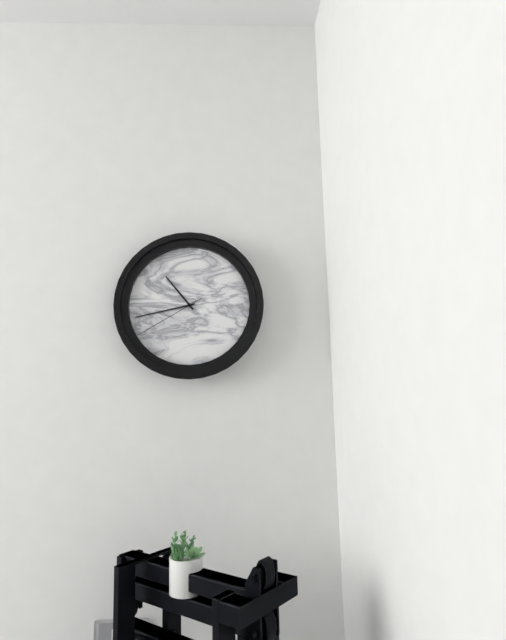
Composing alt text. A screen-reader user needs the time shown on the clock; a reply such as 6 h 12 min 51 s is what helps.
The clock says 10 h 43 min 40 s
